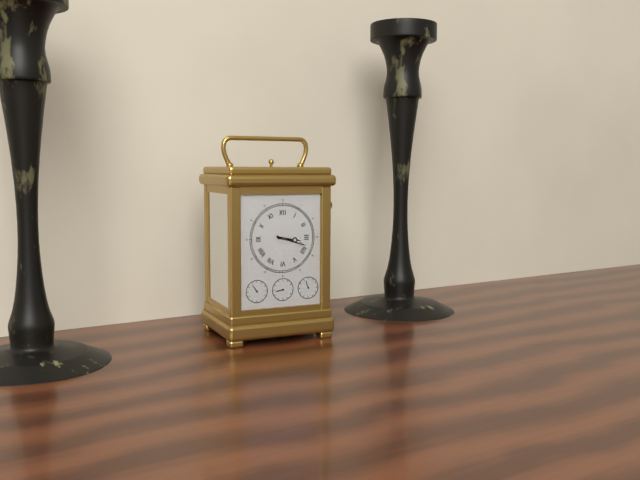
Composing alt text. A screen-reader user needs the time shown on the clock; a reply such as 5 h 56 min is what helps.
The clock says 3 h 18 min
